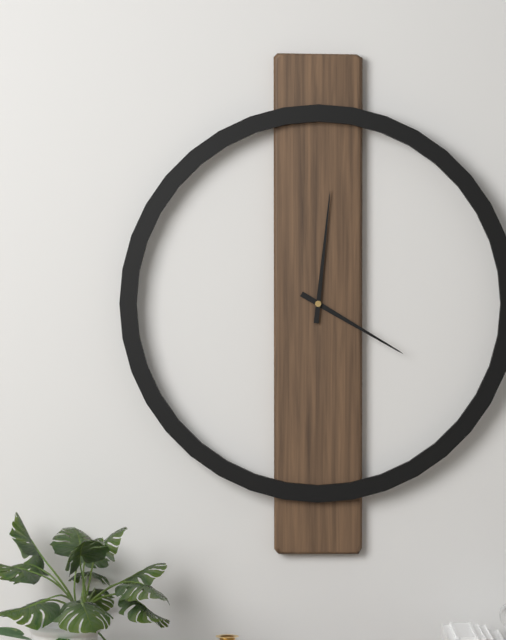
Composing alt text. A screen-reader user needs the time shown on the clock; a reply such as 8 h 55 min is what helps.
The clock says 4 h 01 min
